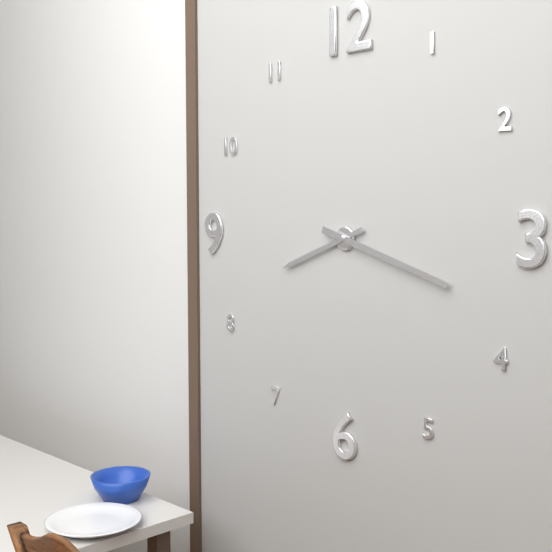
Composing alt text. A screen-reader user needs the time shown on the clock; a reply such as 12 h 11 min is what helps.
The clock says 8 h 18 min
